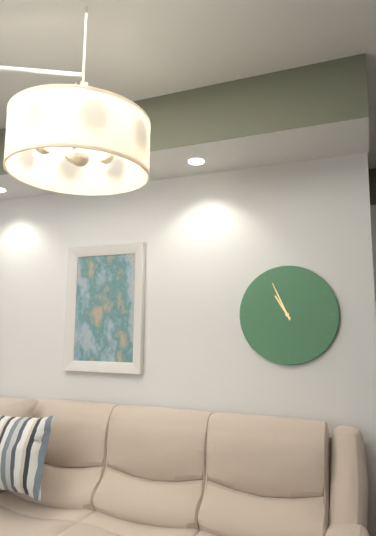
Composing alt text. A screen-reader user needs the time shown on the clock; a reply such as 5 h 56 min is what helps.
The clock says 10 h 56 min
